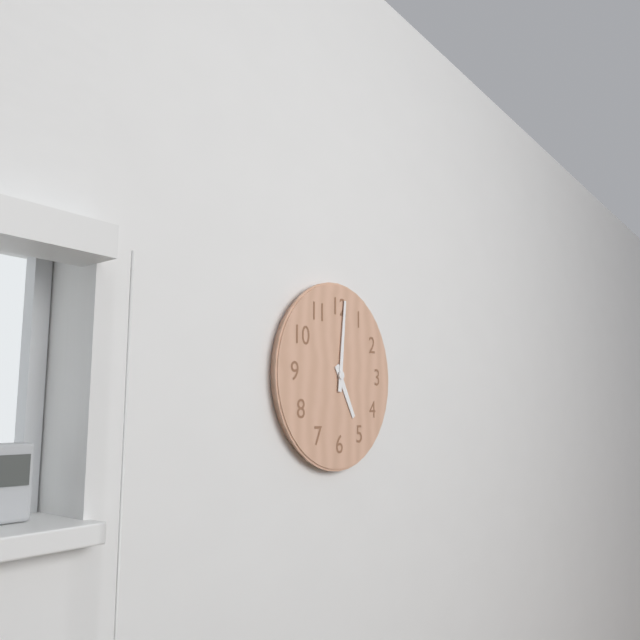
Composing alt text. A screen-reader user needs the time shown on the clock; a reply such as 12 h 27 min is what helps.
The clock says 5 h 01 min
